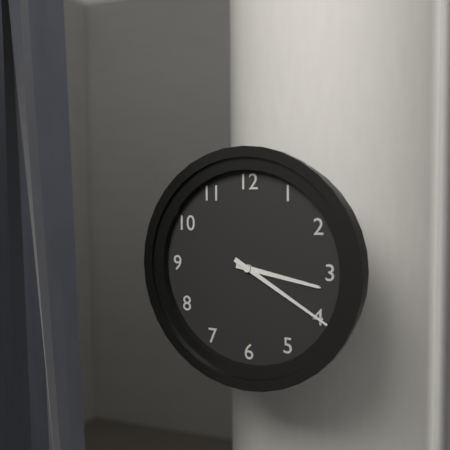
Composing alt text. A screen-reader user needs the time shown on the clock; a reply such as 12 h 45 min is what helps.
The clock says 3 h 20 min
